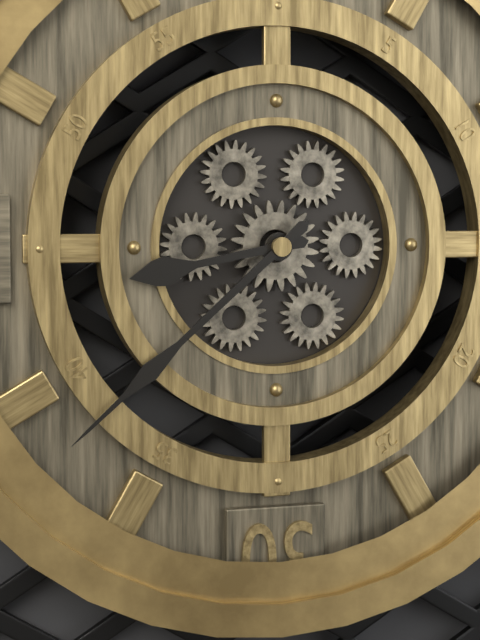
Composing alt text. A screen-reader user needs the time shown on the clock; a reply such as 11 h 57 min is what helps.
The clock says 8 h 38 min
